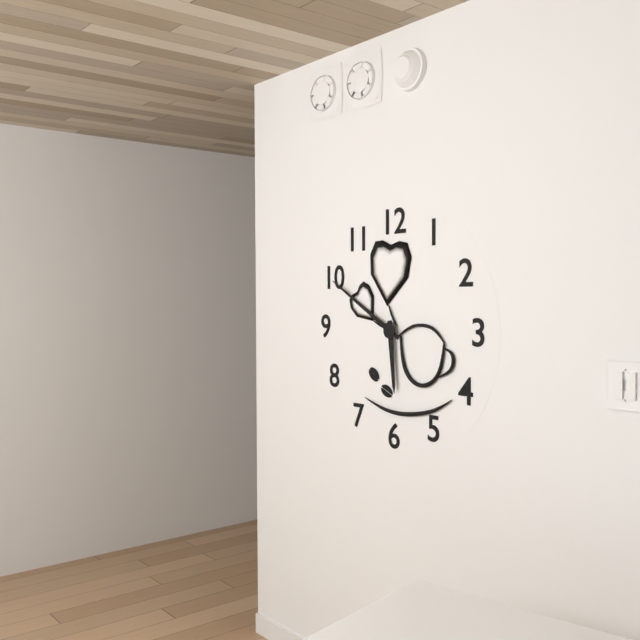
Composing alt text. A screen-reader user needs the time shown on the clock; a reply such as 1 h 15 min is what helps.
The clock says 5 h 50 min
